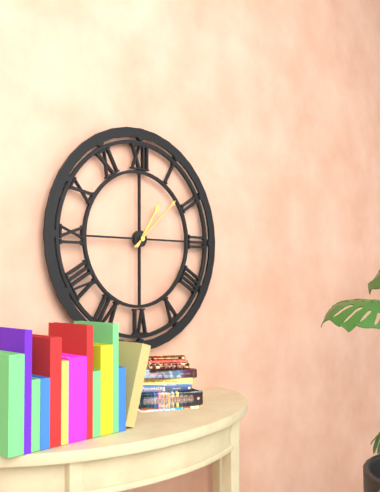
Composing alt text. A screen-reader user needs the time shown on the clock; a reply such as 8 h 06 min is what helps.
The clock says 1 h 08 min
